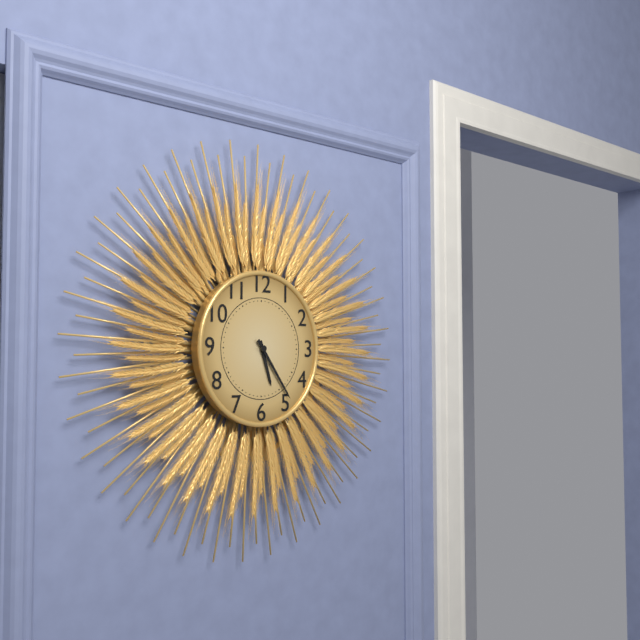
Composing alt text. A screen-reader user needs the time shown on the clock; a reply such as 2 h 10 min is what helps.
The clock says 5 h 24 min
